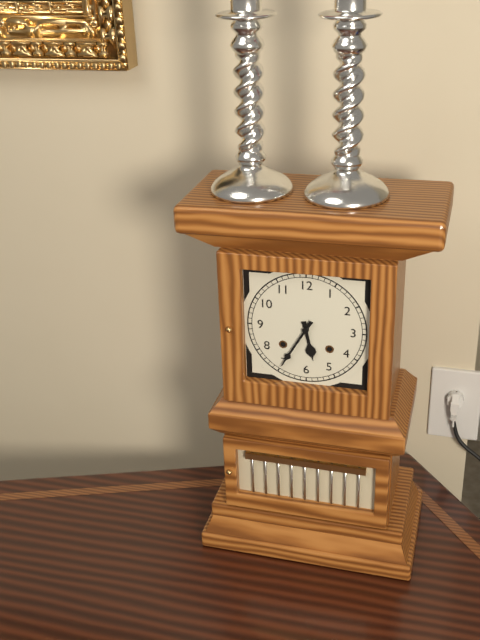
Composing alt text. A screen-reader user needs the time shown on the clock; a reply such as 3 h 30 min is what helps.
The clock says 5 h 35 min
